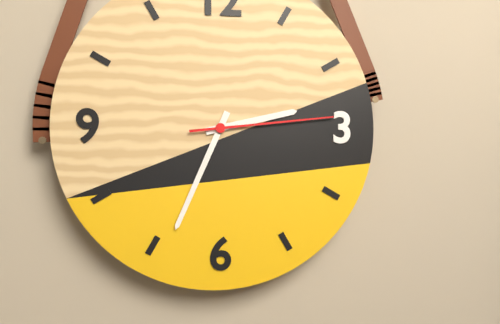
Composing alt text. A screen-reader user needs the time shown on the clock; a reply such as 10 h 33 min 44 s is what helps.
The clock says 2 h 34 min 14 s
